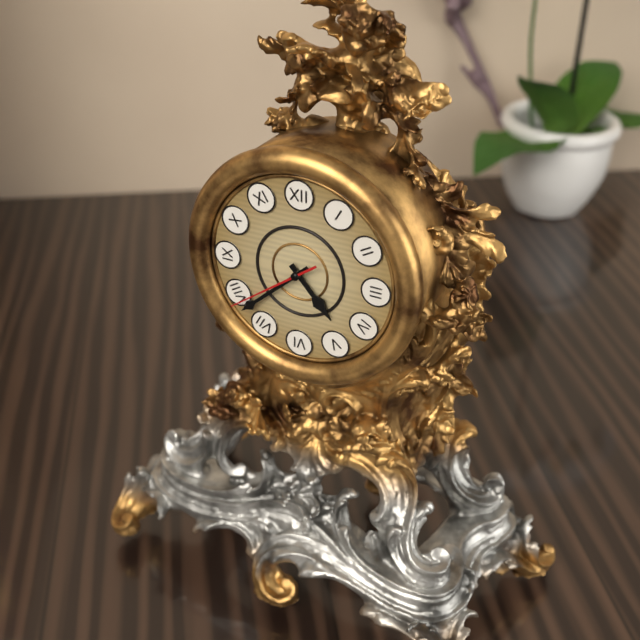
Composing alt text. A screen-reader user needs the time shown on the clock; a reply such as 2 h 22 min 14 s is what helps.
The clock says 4 h 38 min 39 s
